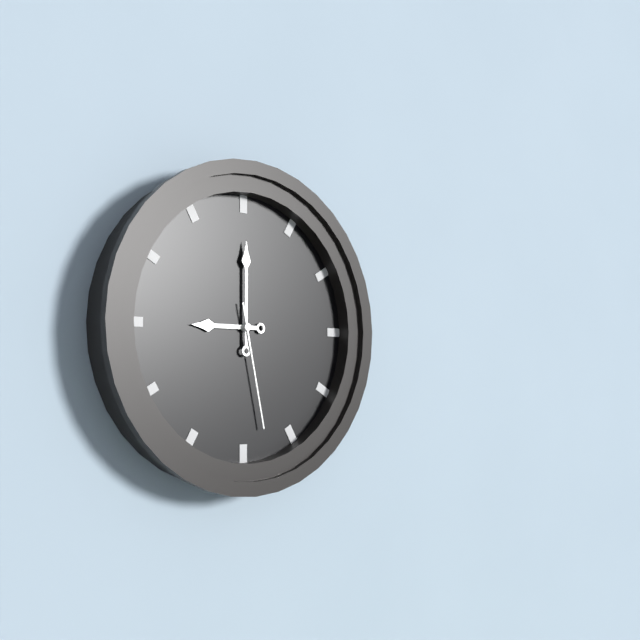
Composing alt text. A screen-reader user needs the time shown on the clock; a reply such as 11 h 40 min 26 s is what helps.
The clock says 9 h 00 min 28 s
